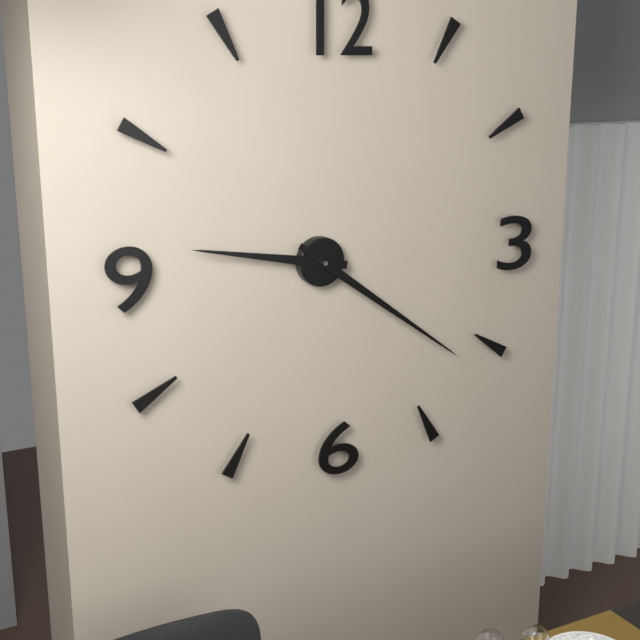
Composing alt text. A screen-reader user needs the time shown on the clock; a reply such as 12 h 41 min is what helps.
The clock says 9 h 21 min
